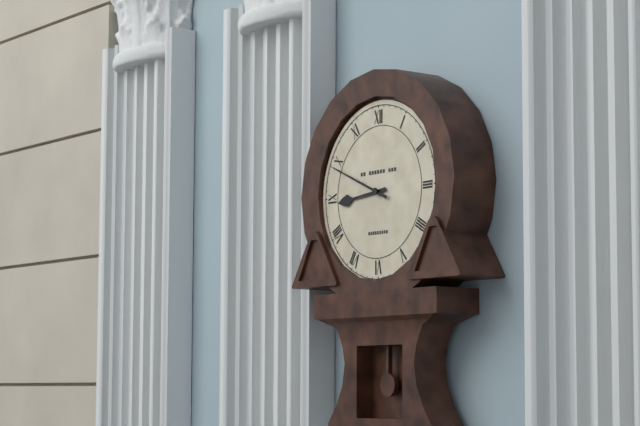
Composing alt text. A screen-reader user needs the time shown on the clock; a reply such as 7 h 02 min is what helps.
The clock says 8 h 49 min
